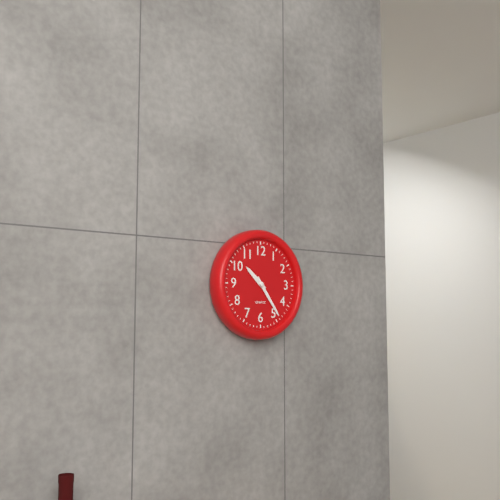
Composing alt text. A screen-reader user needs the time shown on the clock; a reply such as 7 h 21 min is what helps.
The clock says 10 h 24 min
